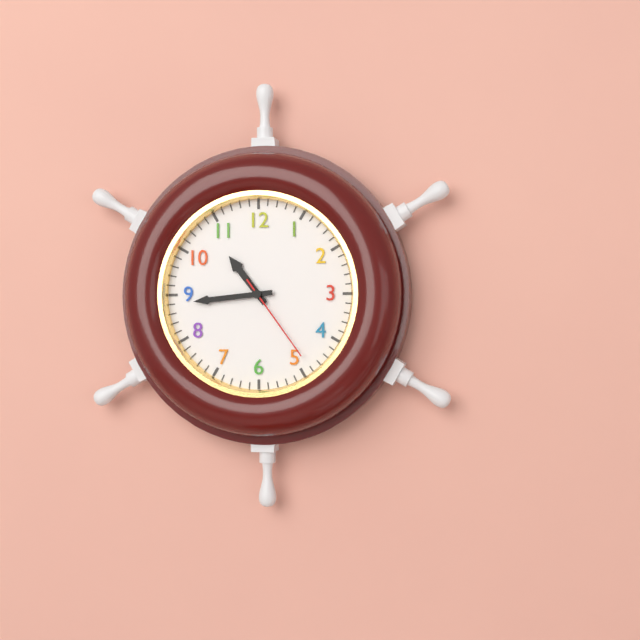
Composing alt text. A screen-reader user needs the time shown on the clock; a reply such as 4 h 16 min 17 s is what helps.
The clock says 10 h 44 min 24 s
